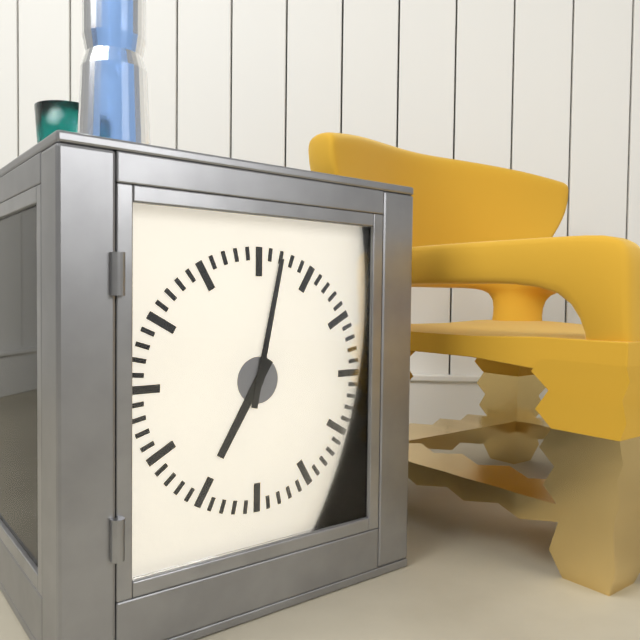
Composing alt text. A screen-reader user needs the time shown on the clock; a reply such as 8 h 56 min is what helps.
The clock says 7 h 02 min
